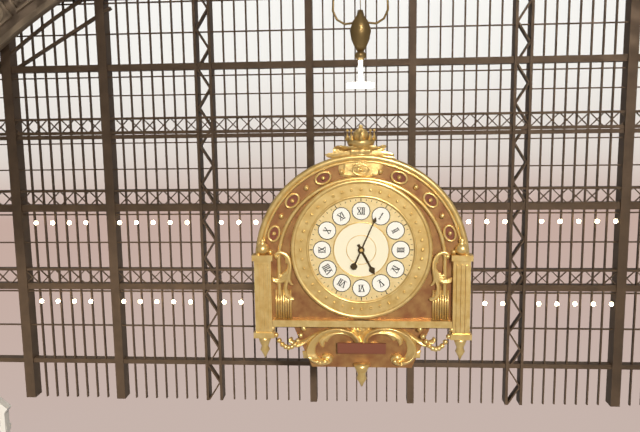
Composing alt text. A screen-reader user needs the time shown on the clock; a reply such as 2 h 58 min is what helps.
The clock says 5 h 04 min
